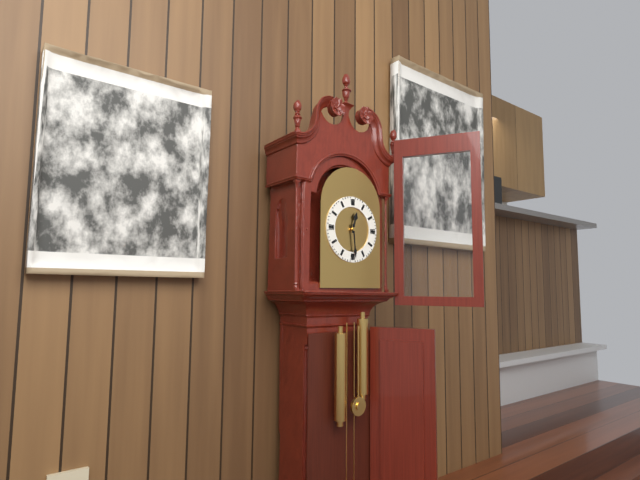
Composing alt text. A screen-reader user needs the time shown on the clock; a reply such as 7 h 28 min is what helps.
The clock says 12 h 29 min
